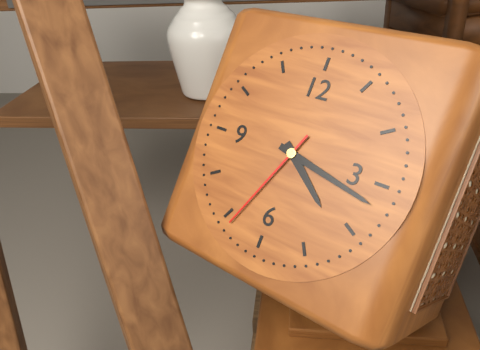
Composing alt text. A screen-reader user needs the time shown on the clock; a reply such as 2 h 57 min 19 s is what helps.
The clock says 4 h 17 min 34 s
